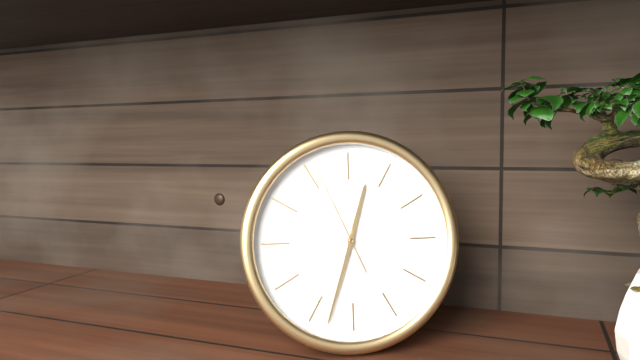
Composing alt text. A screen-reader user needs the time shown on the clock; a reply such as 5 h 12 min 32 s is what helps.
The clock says 12 h 33 min 56 s
